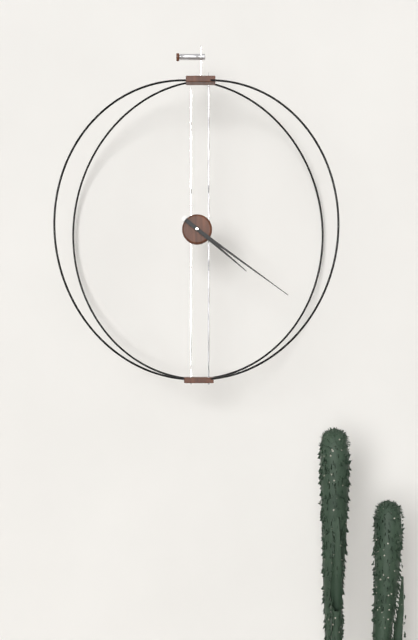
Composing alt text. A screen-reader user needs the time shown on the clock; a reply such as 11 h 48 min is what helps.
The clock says 4 h 21 min
